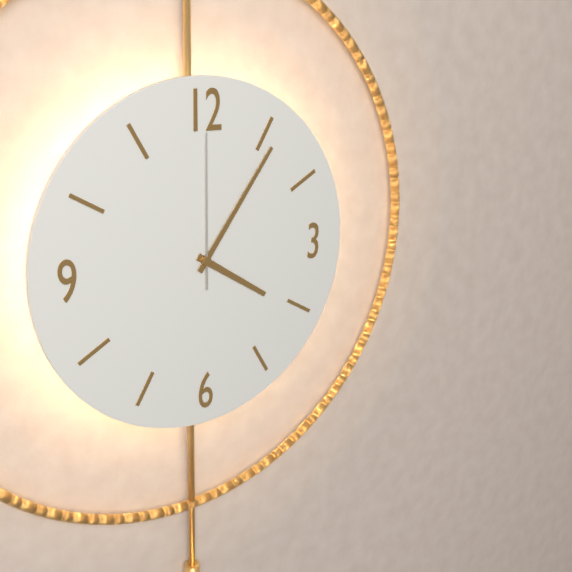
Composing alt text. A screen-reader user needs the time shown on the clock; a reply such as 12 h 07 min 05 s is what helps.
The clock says 4 h 06 min 00 s
